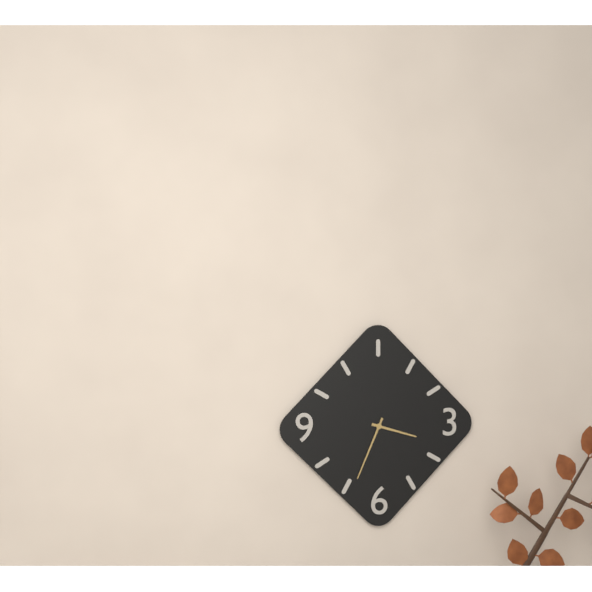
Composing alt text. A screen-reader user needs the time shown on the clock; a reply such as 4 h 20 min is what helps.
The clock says 3 h 34 min
